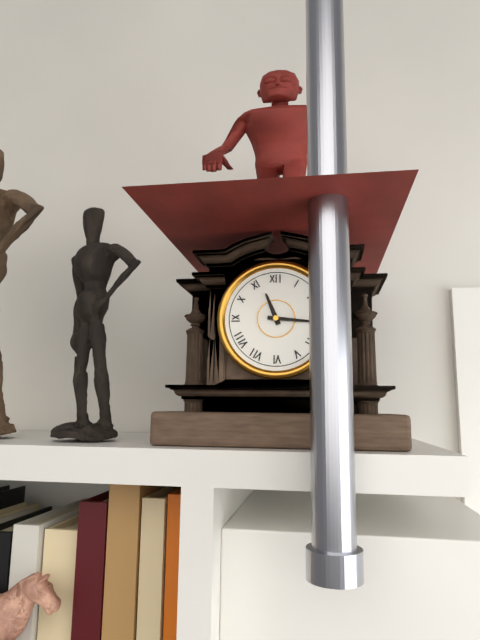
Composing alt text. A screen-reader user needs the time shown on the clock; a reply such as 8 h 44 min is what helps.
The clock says 11 h 16 min
